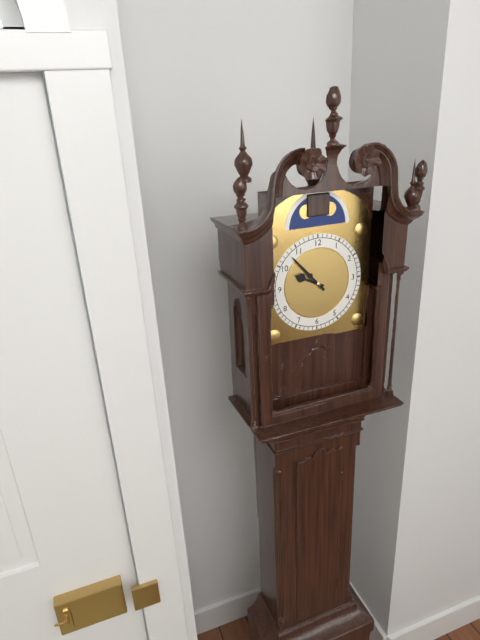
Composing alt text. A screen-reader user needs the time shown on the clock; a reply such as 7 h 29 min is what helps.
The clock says 9 h 53 min
